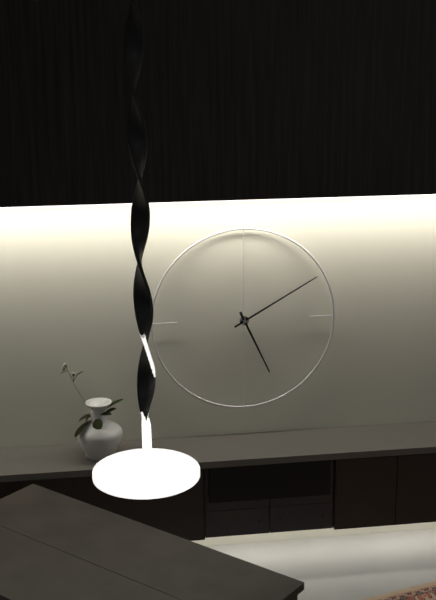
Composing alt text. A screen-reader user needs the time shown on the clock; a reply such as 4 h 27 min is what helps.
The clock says 5 h 10 min
